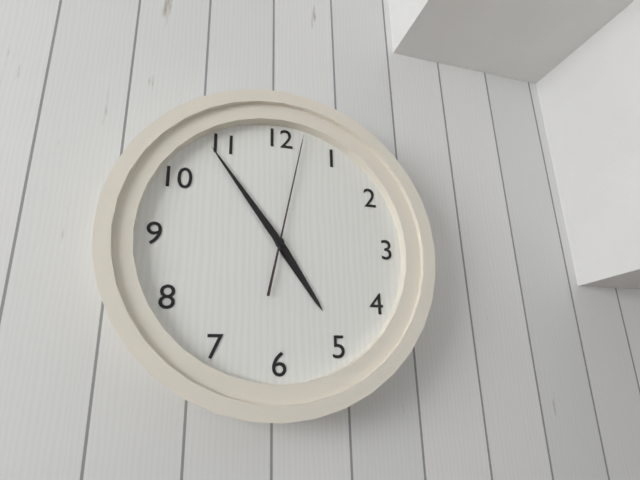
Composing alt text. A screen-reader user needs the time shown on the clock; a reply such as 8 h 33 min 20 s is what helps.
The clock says 4 h 54 min 02 s
